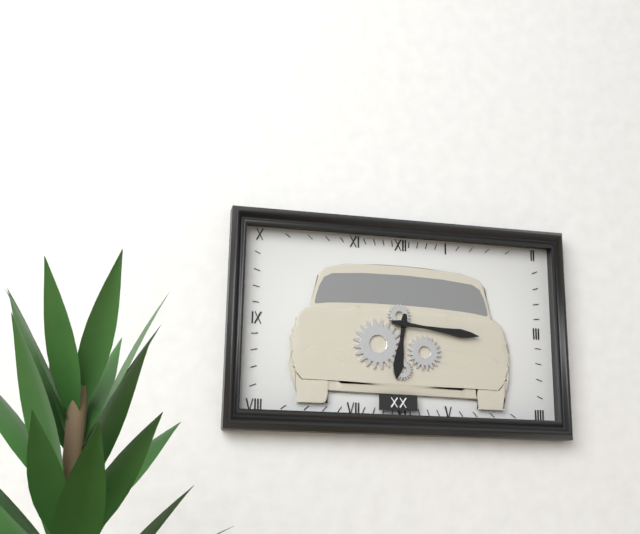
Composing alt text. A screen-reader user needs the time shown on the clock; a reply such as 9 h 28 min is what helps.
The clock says 6 h 16 min
